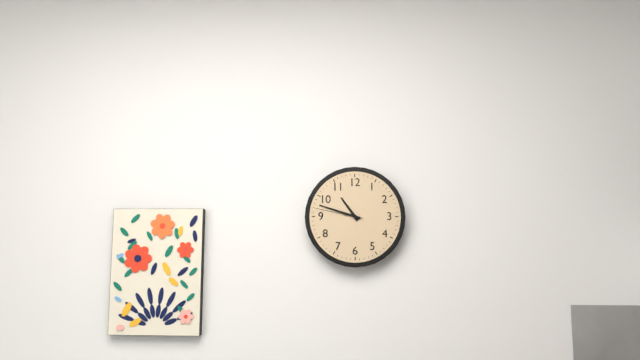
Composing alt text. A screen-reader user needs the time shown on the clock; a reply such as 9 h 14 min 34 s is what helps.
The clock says 10 h 48 min 47 s
